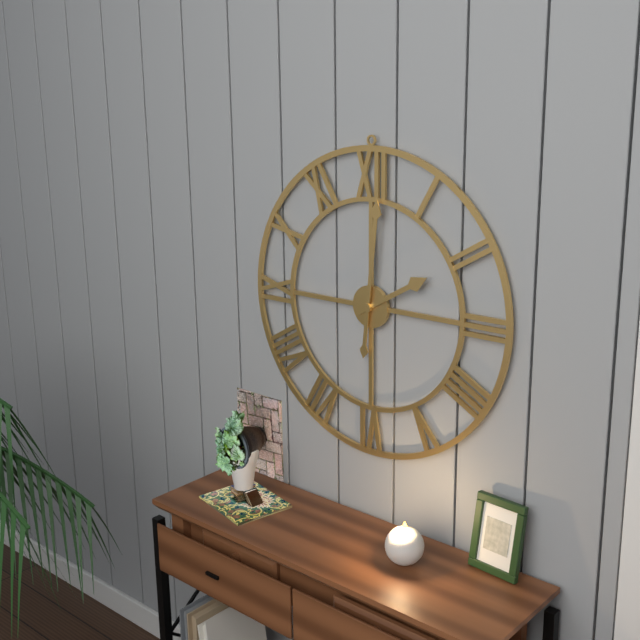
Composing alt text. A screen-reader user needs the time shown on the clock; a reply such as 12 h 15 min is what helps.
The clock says 2 h 01 min
